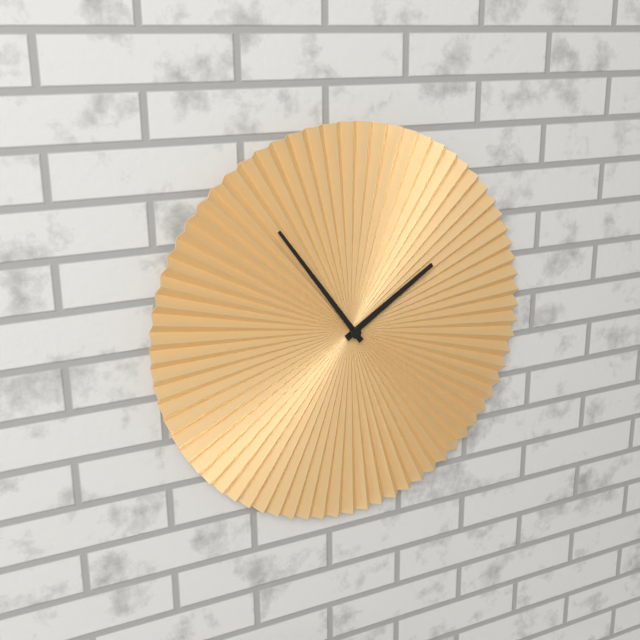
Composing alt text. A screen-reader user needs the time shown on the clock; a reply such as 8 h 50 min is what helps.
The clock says 1 h 54 min
